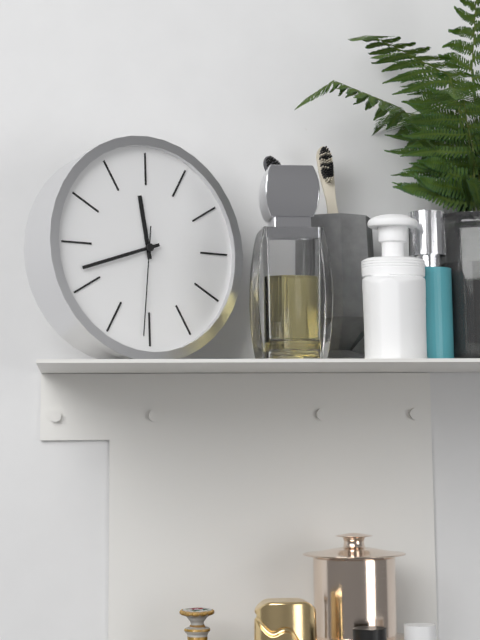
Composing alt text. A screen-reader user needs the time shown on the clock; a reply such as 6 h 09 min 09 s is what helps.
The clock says 11 h 42 min 31 s
